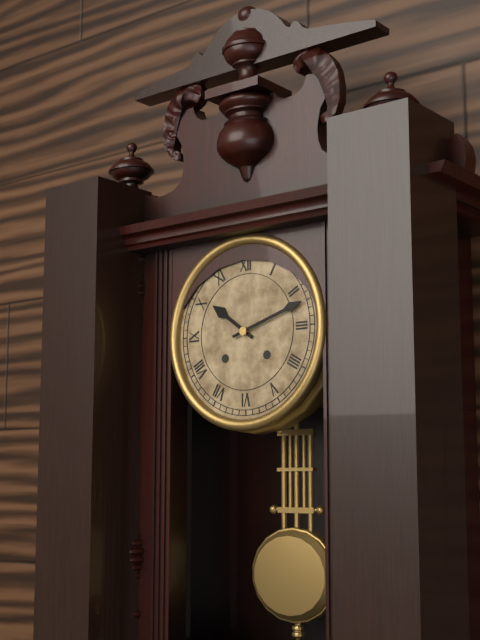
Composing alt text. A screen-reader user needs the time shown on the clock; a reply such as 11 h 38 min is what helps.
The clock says 10 h 12 min
